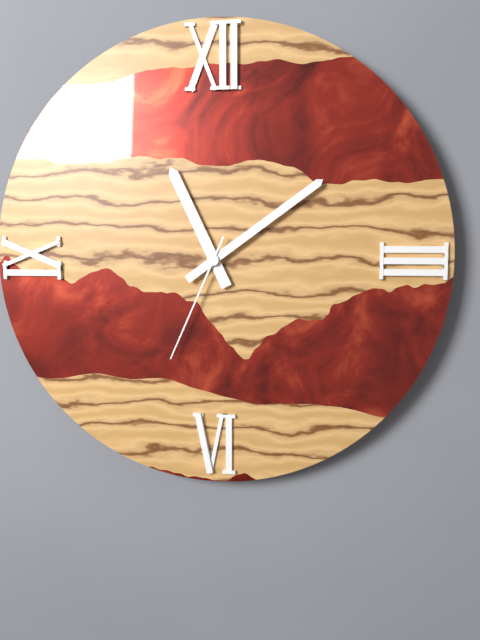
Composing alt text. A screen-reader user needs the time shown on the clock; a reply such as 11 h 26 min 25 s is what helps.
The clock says 11 h 09 min 34 s
